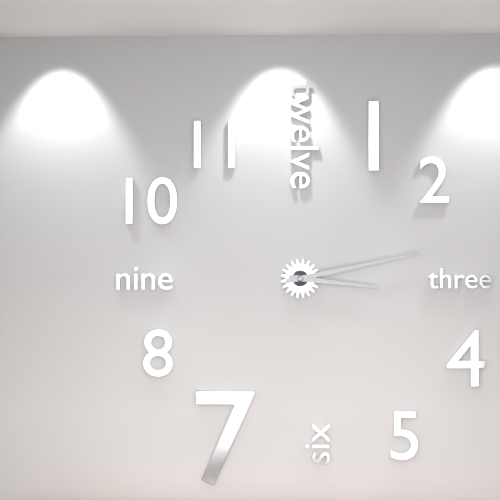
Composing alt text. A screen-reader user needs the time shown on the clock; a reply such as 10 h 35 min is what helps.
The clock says 3 h 13 min
